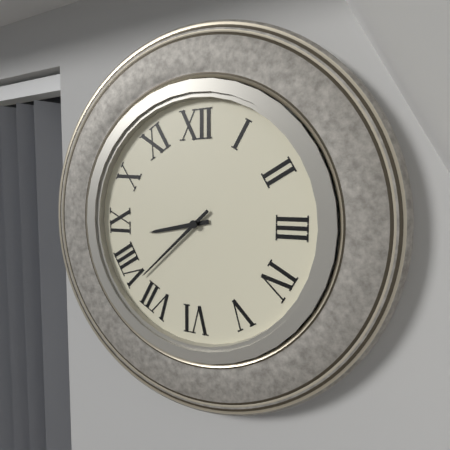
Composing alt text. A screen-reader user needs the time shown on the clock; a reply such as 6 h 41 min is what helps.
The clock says 8 h 38 min
